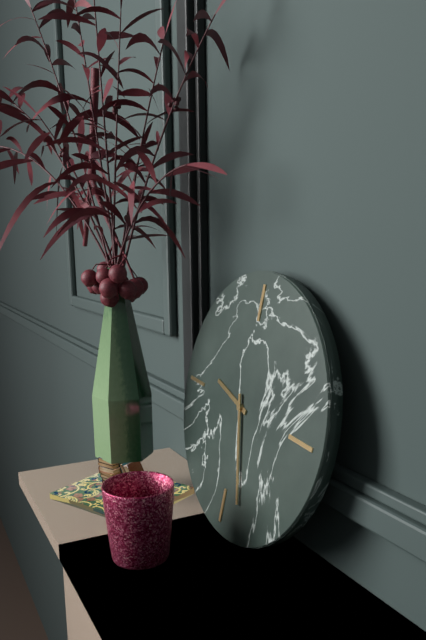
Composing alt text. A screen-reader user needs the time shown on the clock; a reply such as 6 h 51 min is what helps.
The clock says 9 h 27 min
